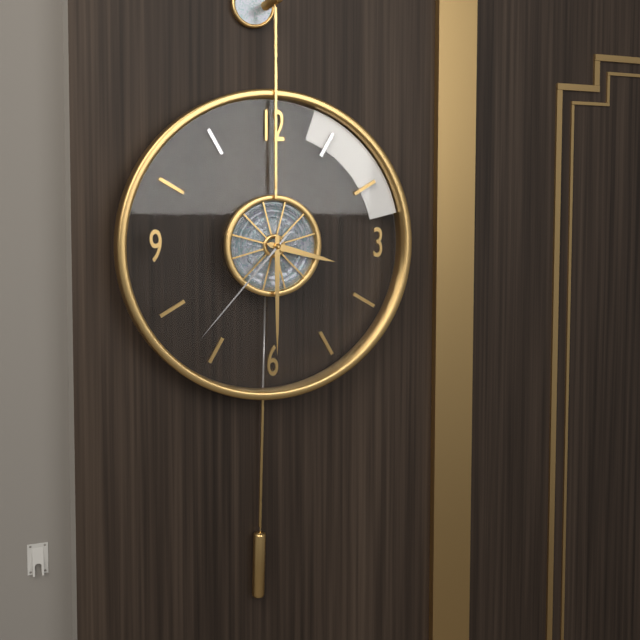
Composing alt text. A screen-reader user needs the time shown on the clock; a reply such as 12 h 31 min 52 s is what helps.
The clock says 3 h 30 min 37 s
